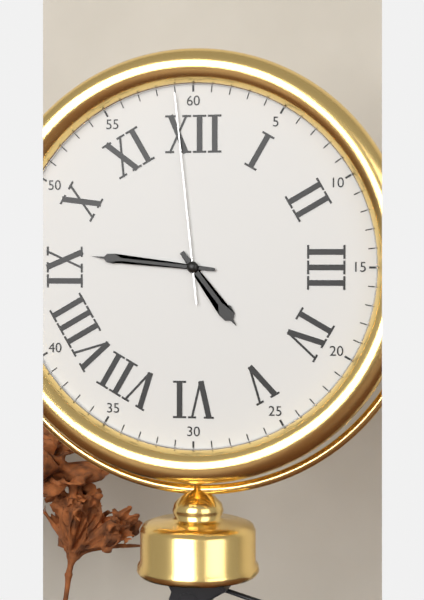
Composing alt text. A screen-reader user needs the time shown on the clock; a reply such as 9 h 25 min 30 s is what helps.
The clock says 4 h 46 min 59 s
